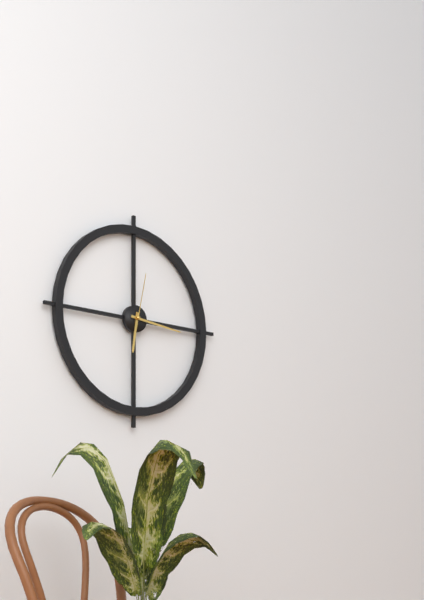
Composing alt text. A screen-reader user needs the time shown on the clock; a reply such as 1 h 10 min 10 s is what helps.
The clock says 6 h 16 min 02 s
